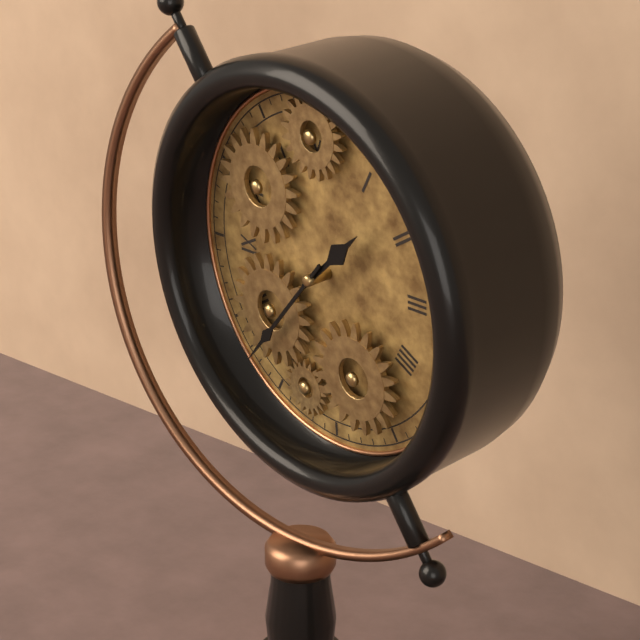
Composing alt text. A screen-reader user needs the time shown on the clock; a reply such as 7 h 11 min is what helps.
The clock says 1 h 37 min
